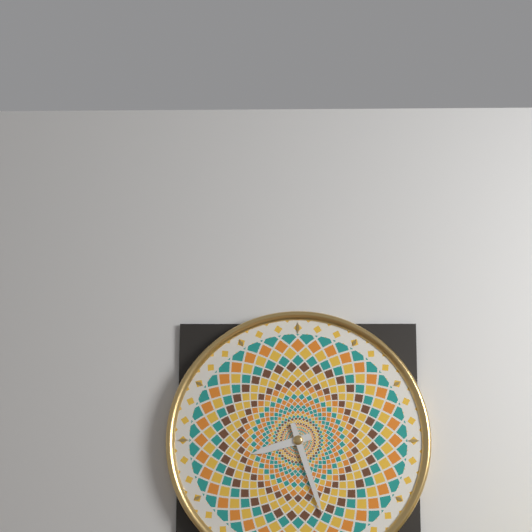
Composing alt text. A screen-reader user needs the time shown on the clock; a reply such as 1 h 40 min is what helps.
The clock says 8 h 27 min
